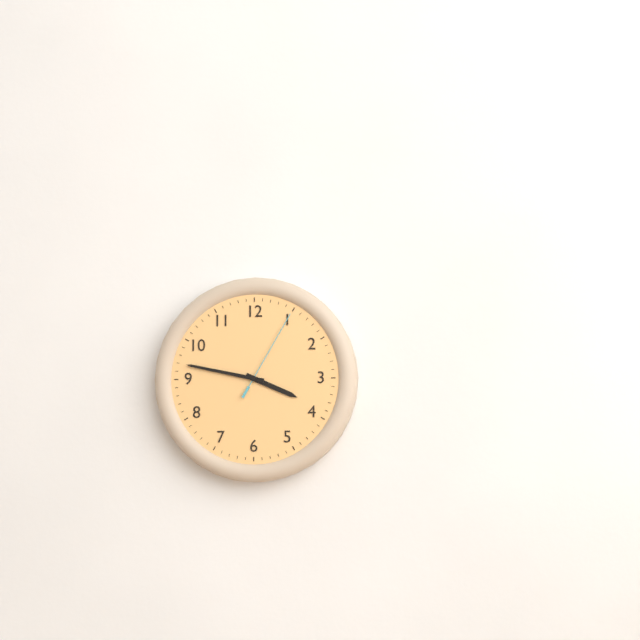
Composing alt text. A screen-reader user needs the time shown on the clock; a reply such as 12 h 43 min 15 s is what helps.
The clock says 3 h 47 min 05 s
